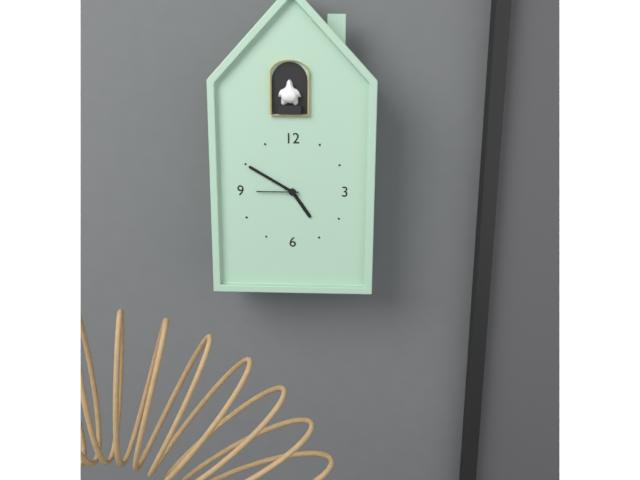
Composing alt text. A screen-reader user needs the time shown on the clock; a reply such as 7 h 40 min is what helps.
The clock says 4 h 50 min
